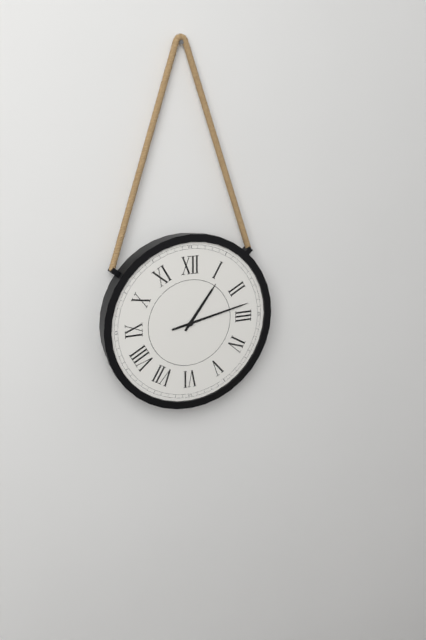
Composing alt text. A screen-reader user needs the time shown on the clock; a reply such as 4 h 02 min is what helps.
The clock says 1 h 13 min
